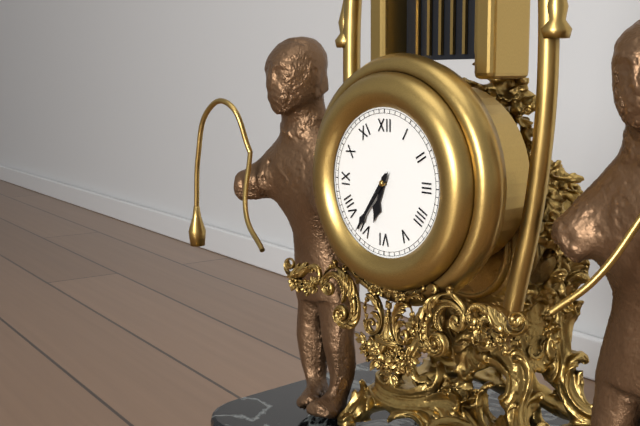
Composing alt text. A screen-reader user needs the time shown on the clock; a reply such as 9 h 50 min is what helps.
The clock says 6 h 36 min
